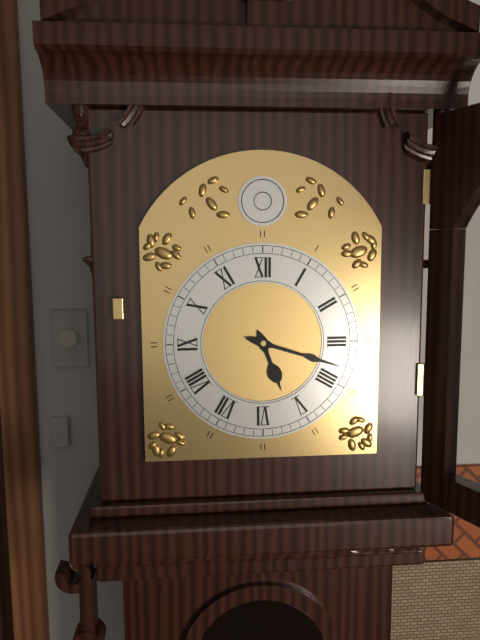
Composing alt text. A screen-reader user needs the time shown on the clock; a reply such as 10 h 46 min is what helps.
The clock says 5 h 18 min
